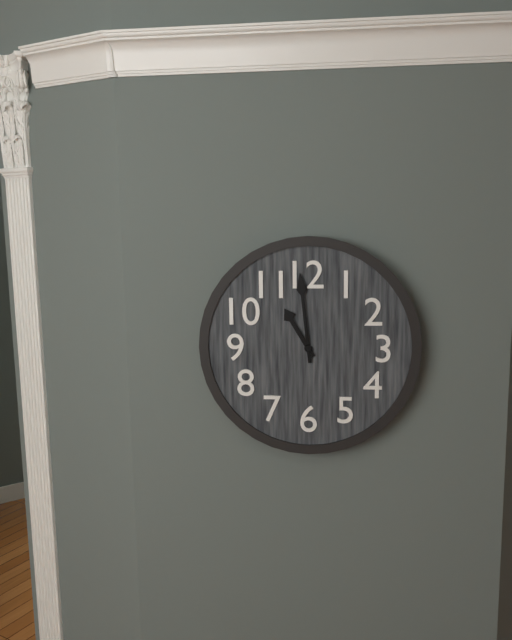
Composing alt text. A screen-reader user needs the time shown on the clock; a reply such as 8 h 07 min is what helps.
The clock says 10 h 59 min
